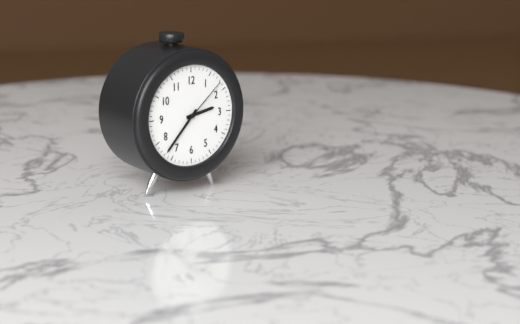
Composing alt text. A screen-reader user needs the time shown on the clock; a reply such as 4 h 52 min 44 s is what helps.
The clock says 2 h 37 min 08 s
